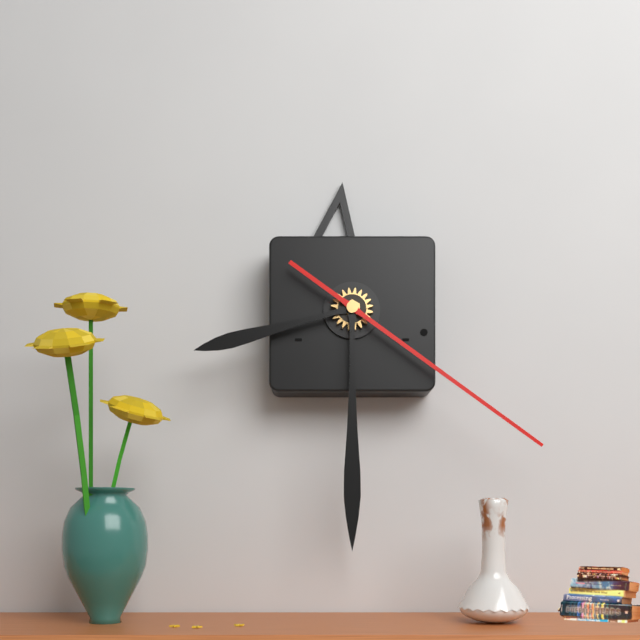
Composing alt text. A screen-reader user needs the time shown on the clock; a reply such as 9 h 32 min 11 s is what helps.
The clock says 8 h 30 min 21 s
